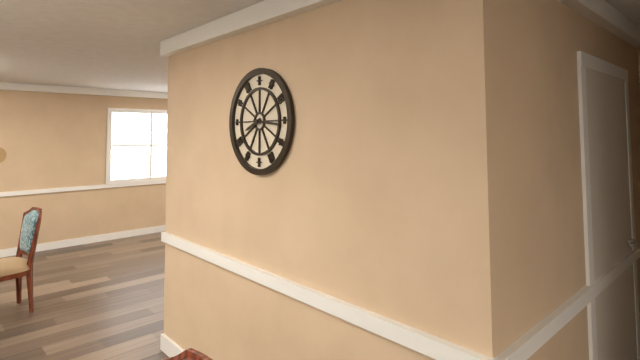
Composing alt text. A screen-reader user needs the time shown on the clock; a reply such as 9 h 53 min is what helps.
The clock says 8 h 16 min
